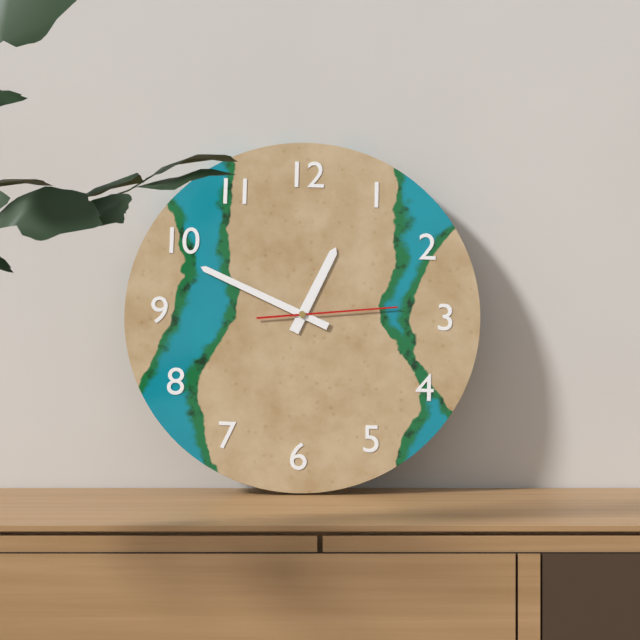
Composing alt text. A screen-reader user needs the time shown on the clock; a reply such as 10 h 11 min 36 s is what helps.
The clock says 12 h 49 min 14 s
